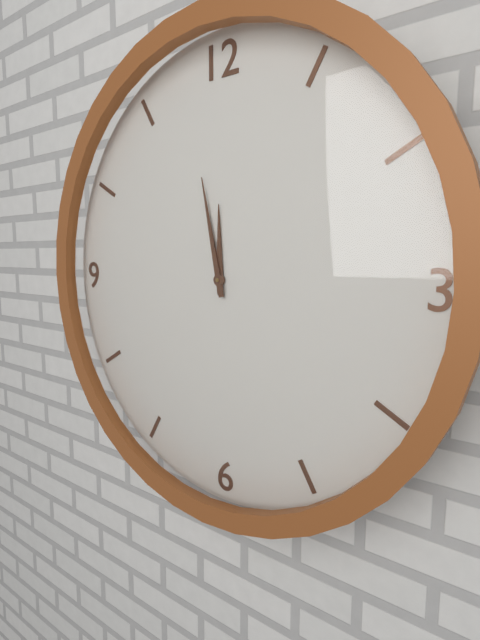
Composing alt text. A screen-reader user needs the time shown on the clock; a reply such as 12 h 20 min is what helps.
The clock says 11 h 58 min
